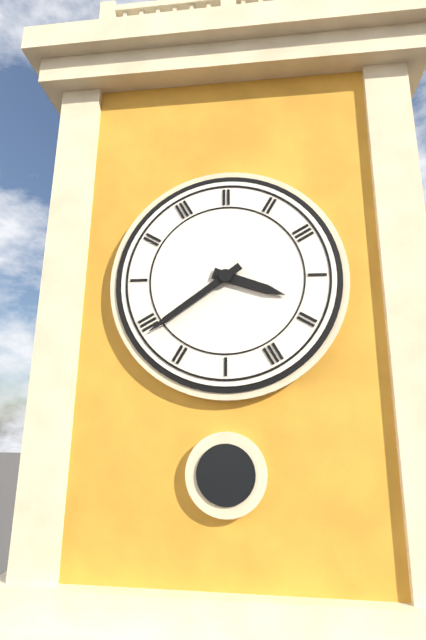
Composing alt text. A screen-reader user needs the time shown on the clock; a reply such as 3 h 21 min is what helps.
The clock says 3 h 39 min
